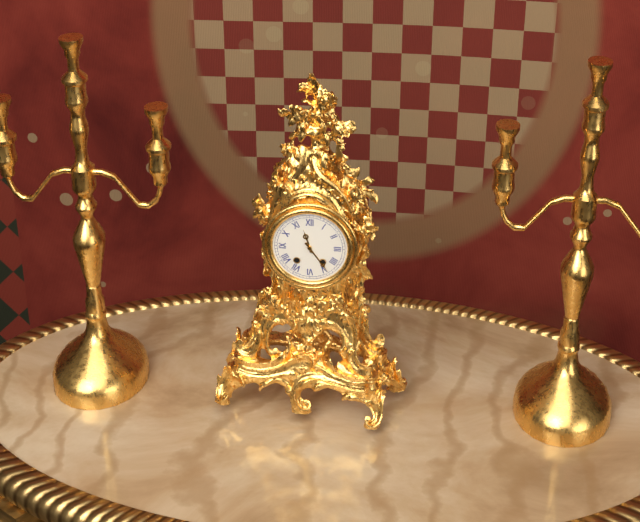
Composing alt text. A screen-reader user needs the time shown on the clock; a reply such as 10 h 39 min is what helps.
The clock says 11 h 24 min
